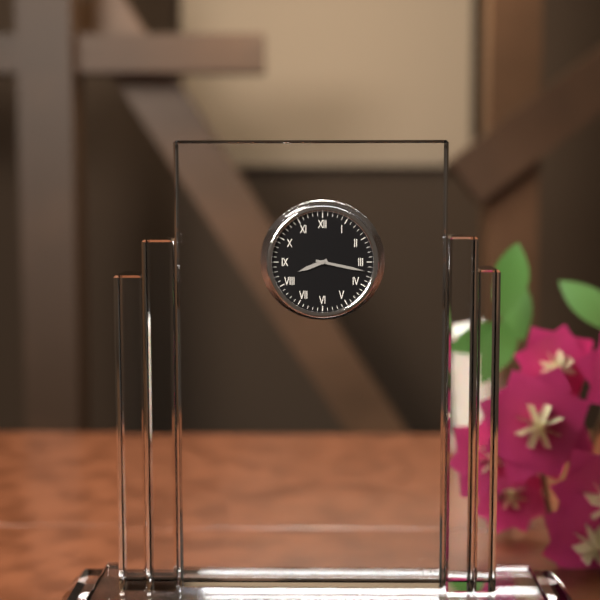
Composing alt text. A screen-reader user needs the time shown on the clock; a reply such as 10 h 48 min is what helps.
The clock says 8 h 17 min
